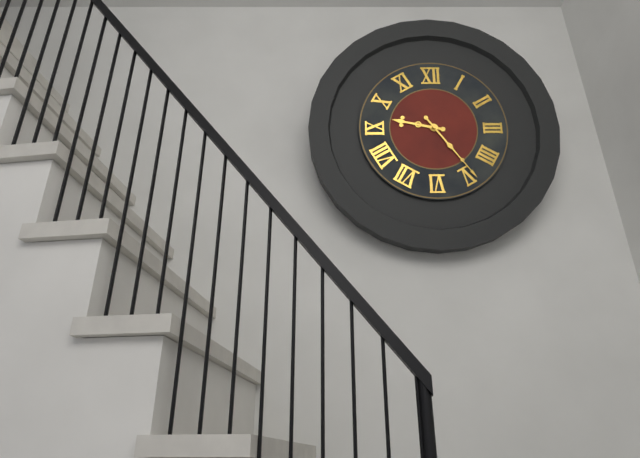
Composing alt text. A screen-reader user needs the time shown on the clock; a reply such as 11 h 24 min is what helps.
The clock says 9 h 24 min
